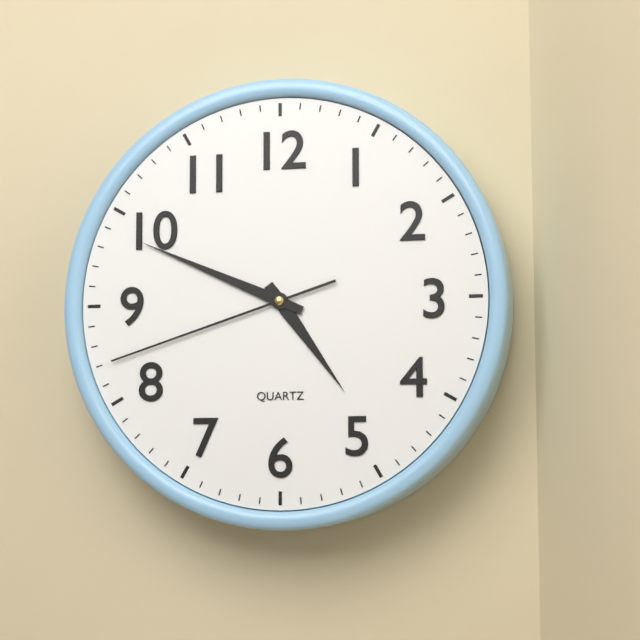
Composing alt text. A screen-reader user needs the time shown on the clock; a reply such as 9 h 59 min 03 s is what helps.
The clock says 4 h 49 min 42 s
